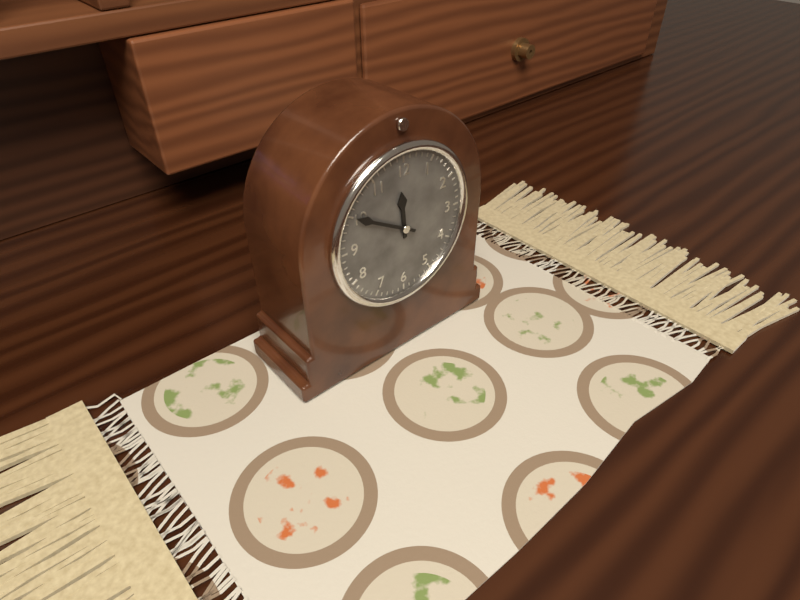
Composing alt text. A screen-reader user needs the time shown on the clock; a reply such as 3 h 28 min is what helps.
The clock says 11 h 50 min
